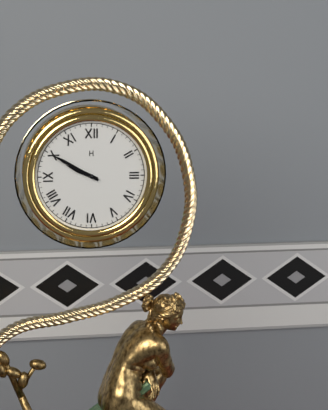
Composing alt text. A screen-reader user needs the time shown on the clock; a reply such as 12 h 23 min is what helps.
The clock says 9 h 50 min
